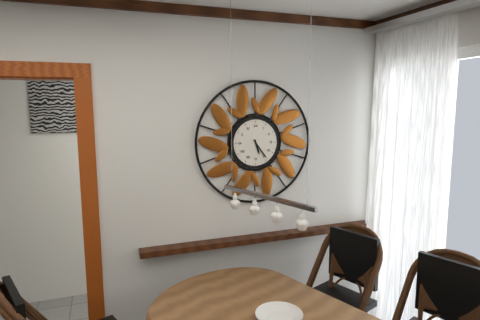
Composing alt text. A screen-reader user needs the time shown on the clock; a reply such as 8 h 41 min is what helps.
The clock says 5 h 24 min
